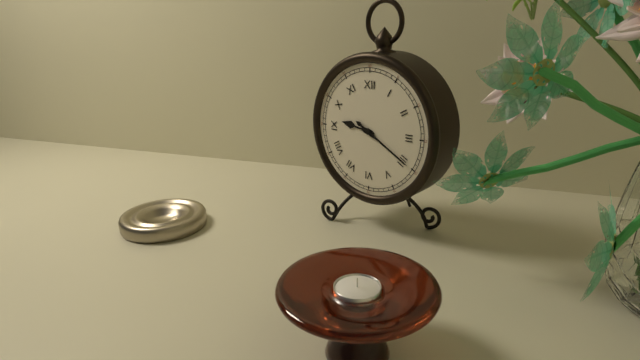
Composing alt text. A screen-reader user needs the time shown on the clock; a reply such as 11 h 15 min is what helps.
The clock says 9 h 20 min
